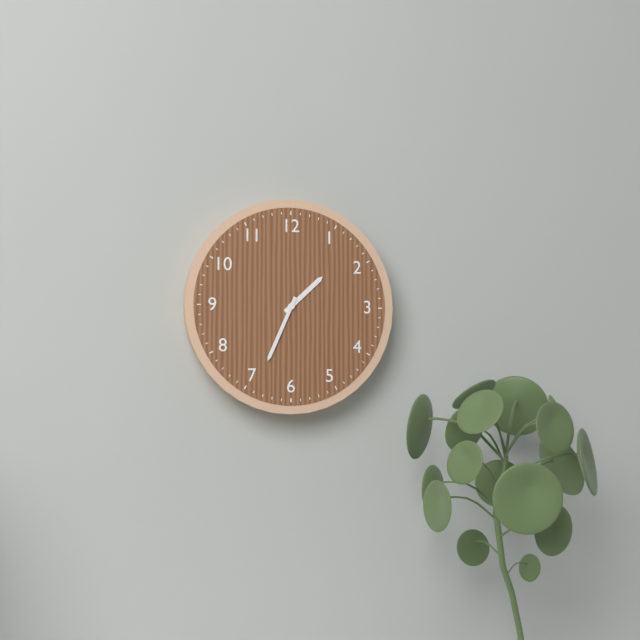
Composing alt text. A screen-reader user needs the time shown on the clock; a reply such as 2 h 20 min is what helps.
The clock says 1 h 34 min
